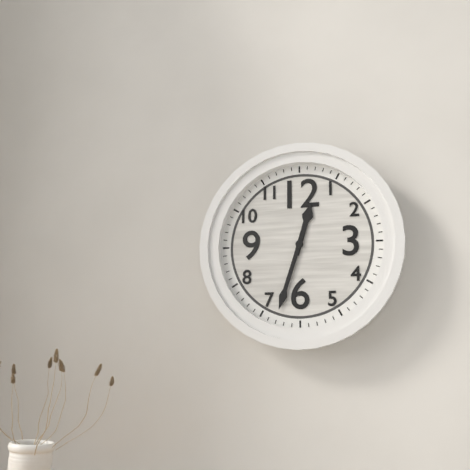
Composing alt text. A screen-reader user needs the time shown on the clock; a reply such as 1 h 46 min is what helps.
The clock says 12 h 33 min
